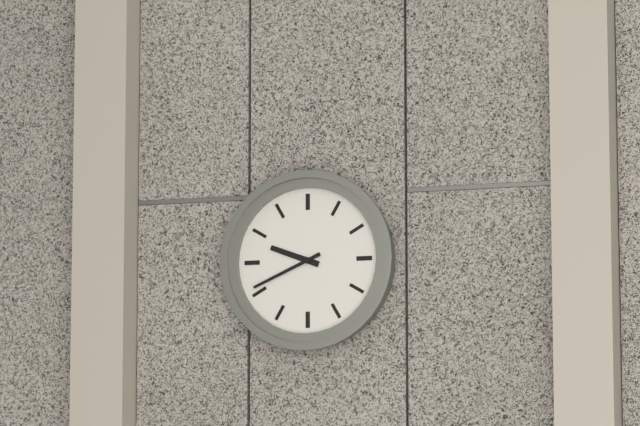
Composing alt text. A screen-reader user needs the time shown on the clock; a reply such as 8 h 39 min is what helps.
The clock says 9 h 41 min
